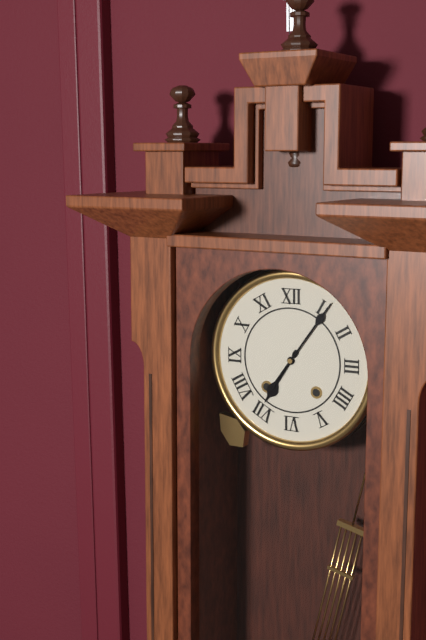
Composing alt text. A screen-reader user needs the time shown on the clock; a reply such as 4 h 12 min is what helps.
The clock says 7 h 06 min
